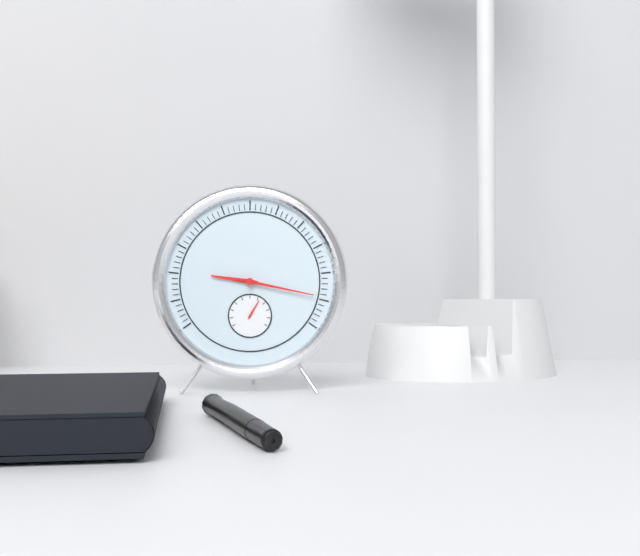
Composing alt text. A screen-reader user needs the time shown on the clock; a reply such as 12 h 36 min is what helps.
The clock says 9 h 17 min
